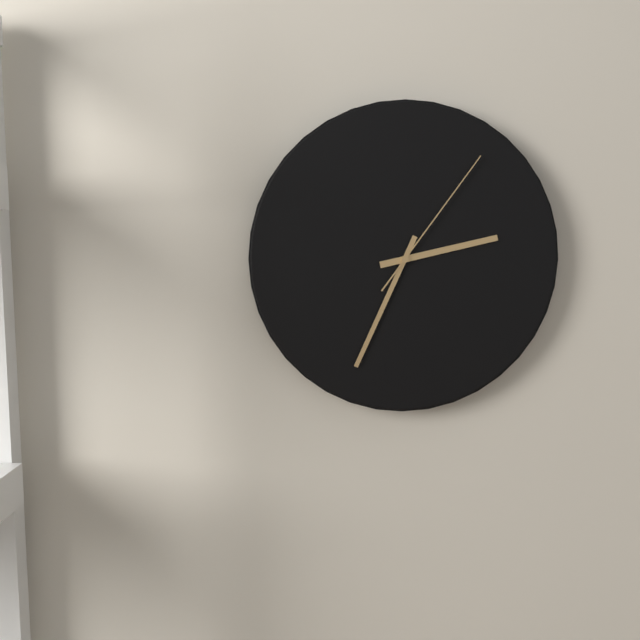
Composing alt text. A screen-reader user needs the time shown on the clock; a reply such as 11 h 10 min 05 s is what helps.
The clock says 2 h 34 min 06 s
